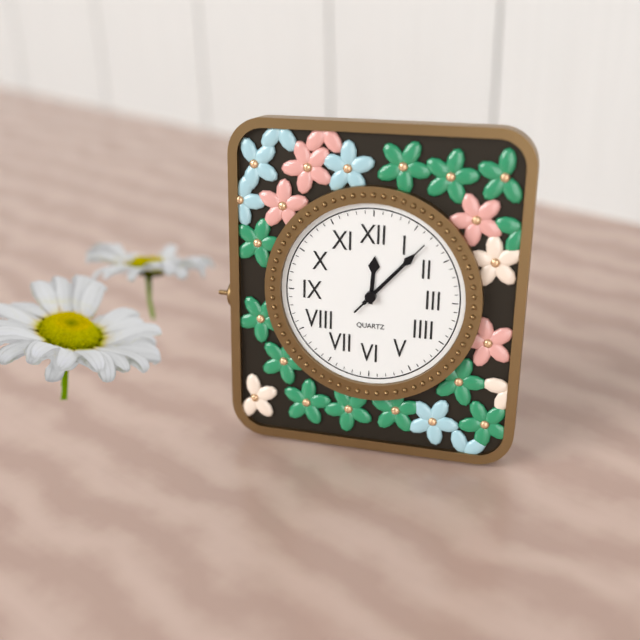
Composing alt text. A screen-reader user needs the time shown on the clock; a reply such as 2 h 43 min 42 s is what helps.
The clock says 12 h 07 min 07 s
